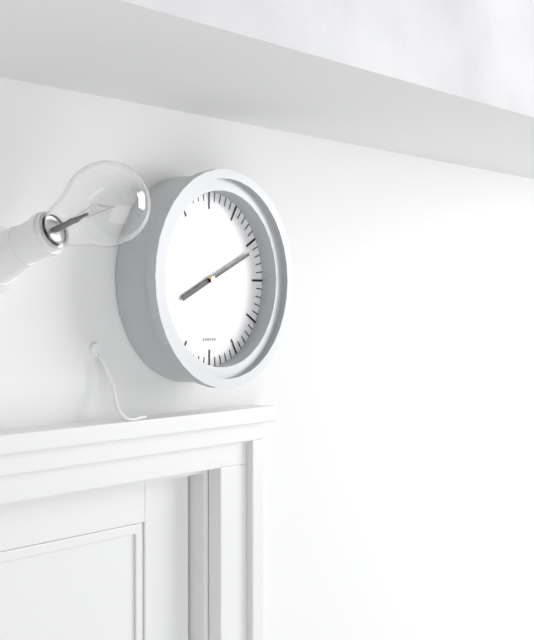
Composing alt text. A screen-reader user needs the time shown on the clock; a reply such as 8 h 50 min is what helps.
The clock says 8 h 11 min
